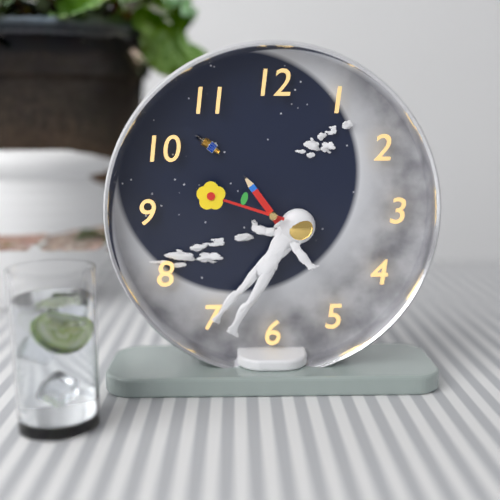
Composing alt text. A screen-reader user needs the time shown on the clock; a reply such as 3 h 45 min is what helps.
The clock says 10 h 48 min
